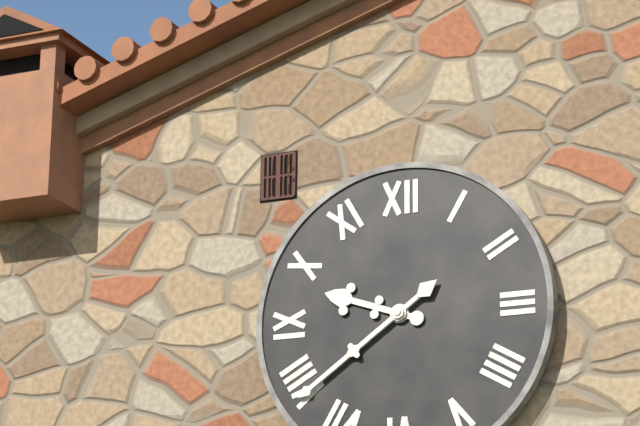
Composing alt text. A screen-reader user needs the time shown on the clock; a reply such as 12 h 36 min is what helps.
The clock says 9 h 39 min
